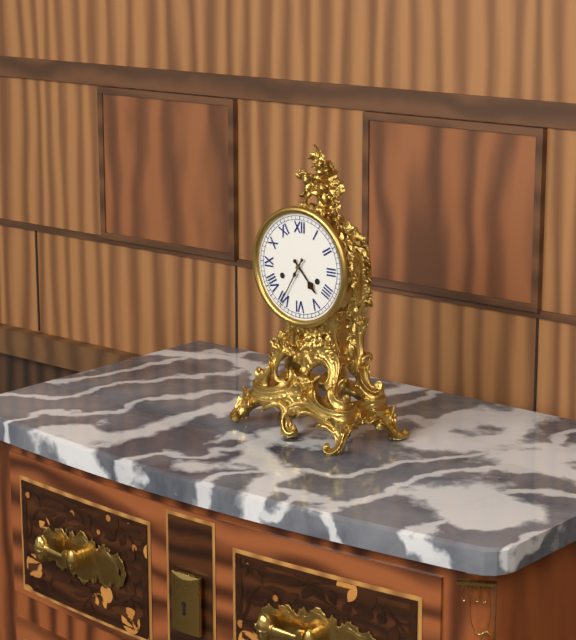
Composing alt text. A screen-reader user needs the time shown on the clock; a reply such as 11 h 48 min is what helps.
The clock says 4 h 35 min
